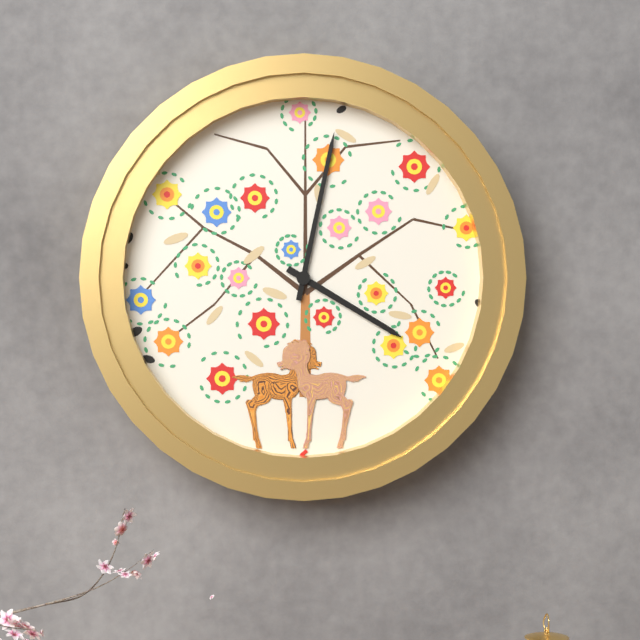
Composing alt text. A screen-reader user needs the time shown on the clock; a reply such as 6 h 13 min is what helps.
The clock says 4 h 02 min
